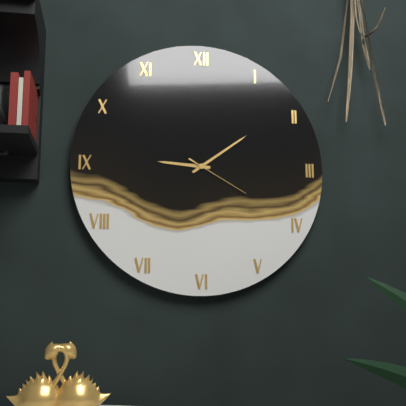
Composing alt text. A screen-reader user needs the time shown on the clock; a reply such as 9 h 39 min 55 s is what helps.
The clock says 9 h 09 min 20 s
